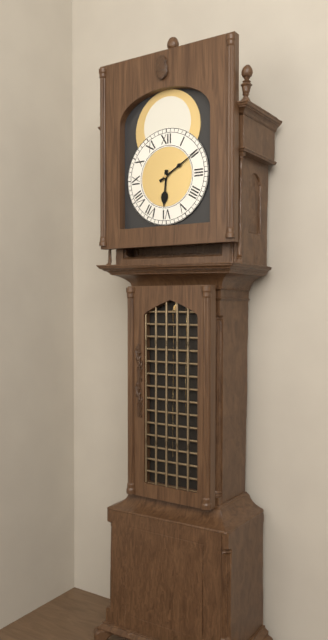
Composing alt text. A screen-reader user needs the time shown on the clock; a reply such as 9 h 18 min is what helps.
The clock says 6 h 10 min
